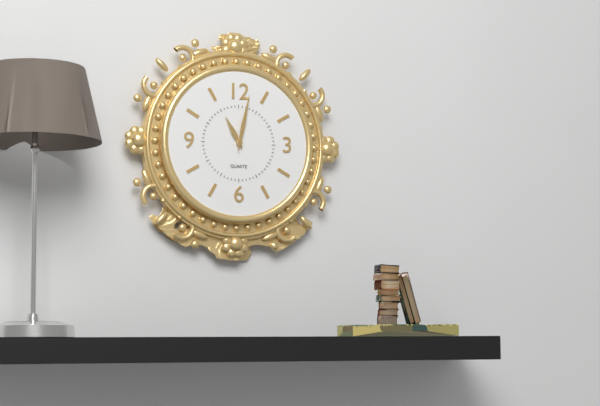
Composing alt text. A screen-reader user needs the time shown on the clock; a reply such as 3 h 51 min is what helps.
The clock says 11 h 02 min
